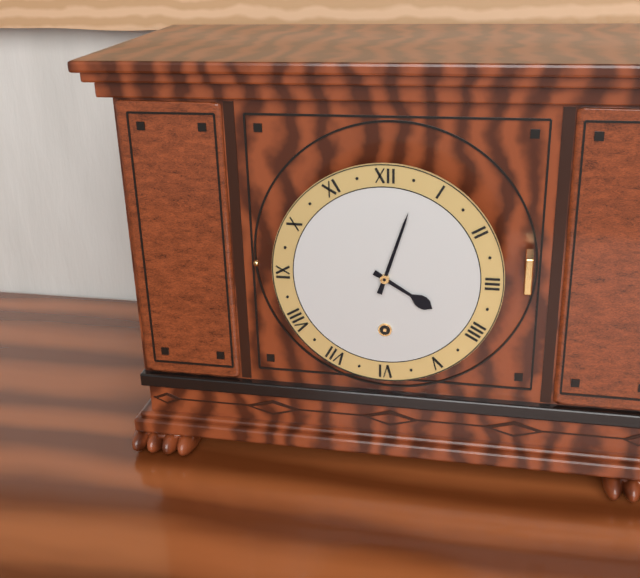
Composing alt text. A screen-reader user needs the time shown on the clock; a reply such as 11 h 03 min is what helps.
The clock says 4 h 03 min
